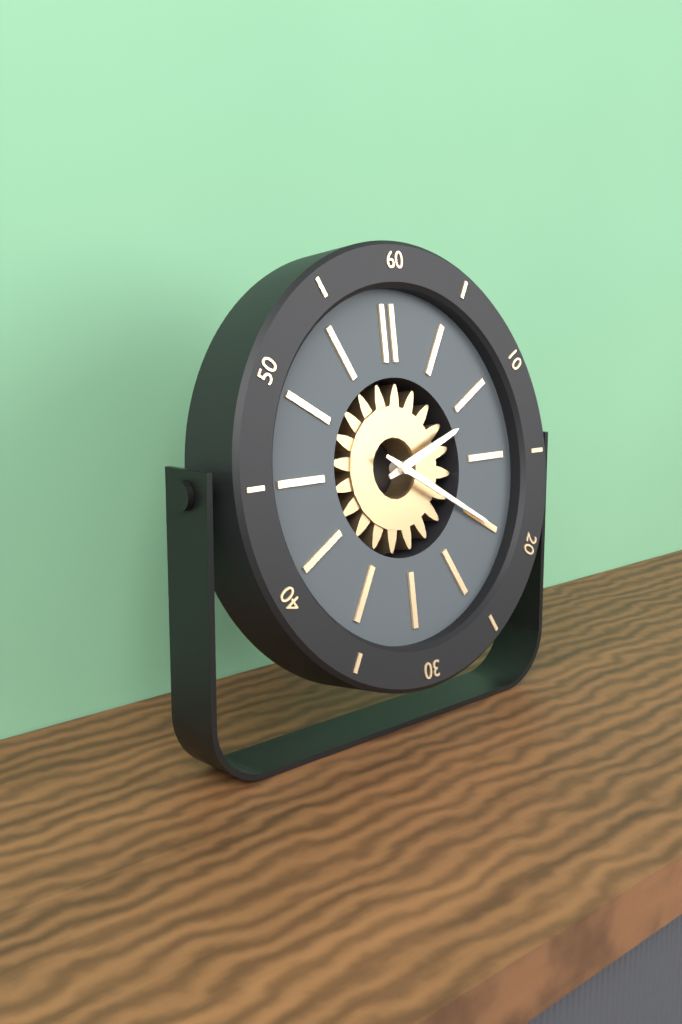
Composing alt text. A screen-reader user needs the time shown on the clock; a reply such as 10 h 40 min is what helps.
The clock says 2 h 20 min
